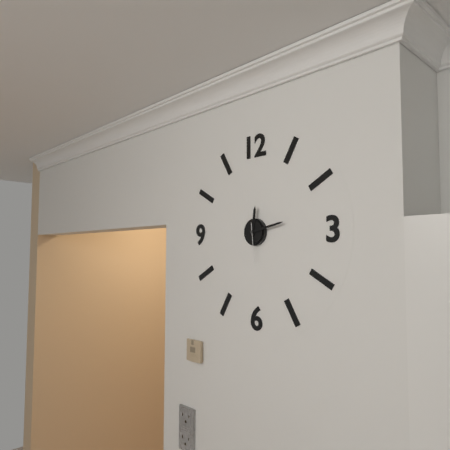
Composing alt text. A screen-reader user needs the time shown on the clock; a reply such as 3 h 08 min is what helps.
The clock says 12 h 13 min
